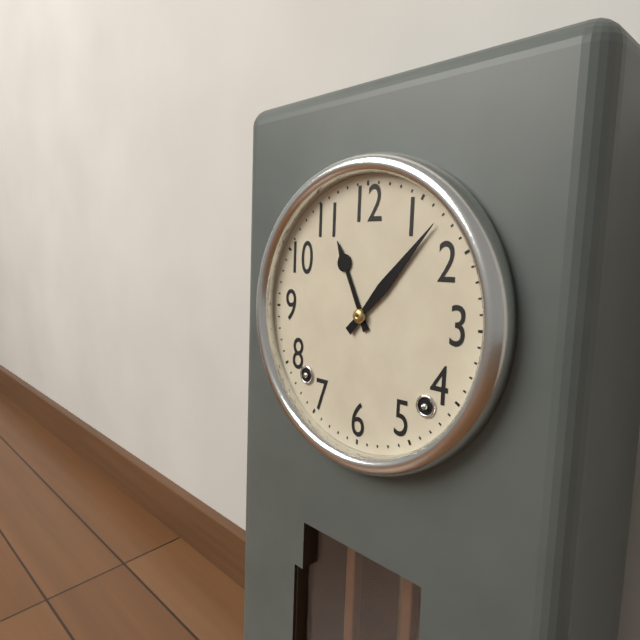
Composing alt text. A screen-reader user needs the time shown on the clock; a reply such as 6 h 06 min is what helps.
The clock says 11 h 07 min
